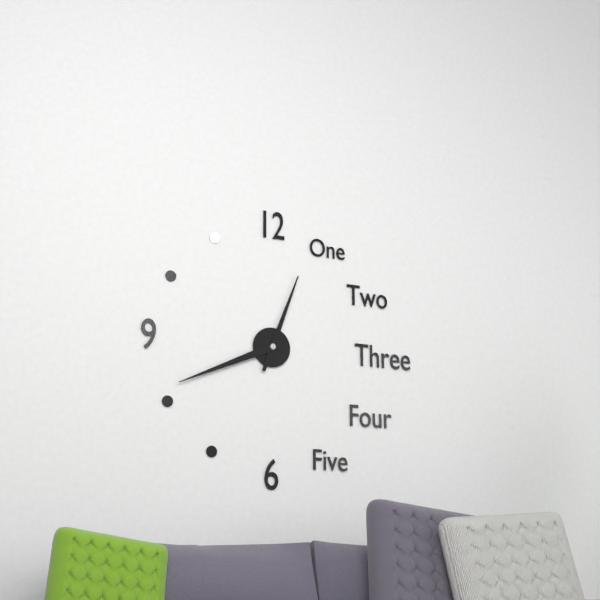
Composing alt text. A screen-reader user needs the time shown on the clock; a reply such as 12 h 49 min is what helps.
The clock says 12 h 41 min
